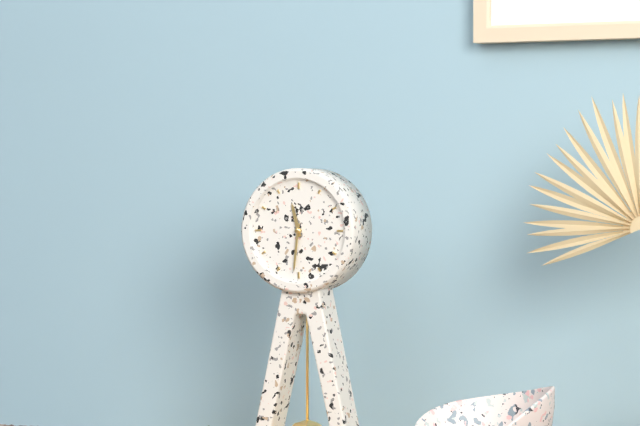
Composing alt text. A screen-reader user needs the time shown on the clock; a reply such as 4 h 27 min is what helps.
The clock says 11 h 31 min
